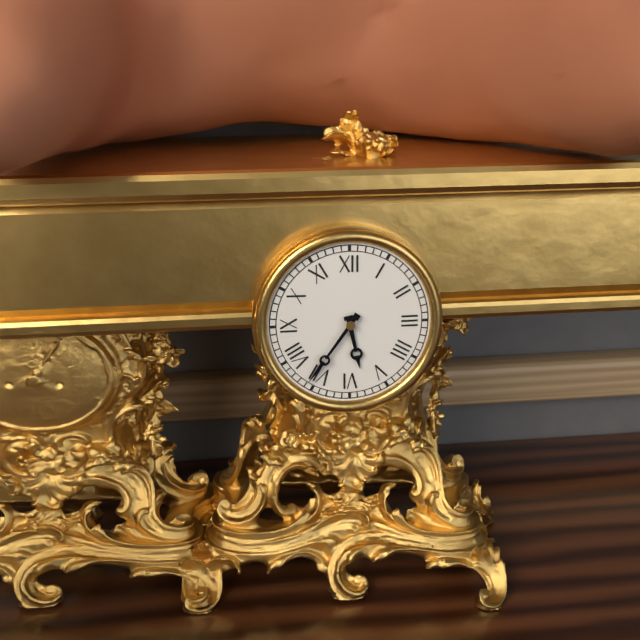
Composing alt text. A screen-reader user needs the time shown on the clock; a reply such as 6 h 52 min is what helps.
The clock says 5 h 36 min
